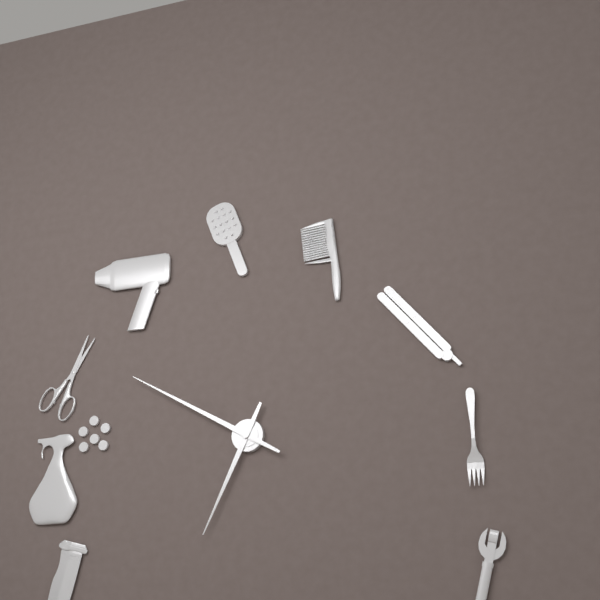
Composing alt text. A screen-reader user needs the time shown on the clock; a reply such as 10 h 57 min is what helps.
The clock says 6 h 50 min
